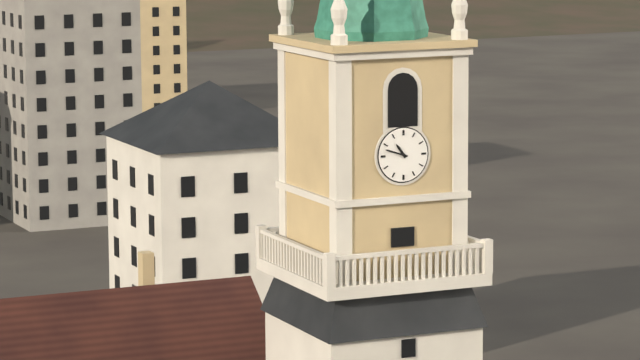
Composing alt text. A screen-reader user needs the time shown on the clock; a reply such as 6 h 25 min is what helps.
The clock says 10 h 48 min
